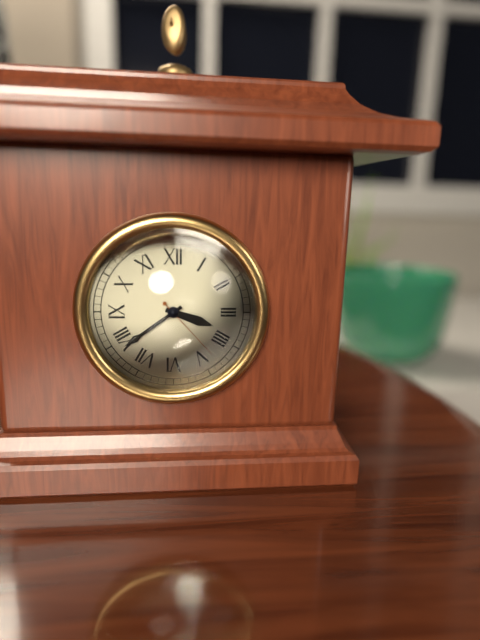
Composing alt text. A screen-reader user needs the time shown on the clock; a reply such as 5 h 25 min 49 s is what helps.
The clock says 3 h 39 min 23 s
